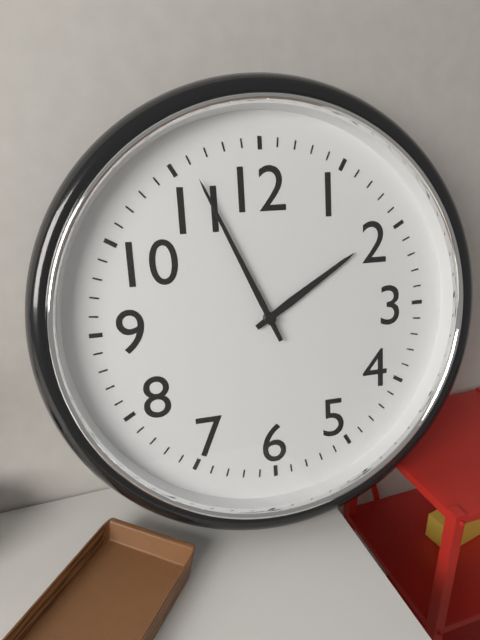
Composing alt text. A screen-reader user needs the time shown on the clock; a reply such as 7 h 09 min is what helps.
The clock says 1 h 56 min
